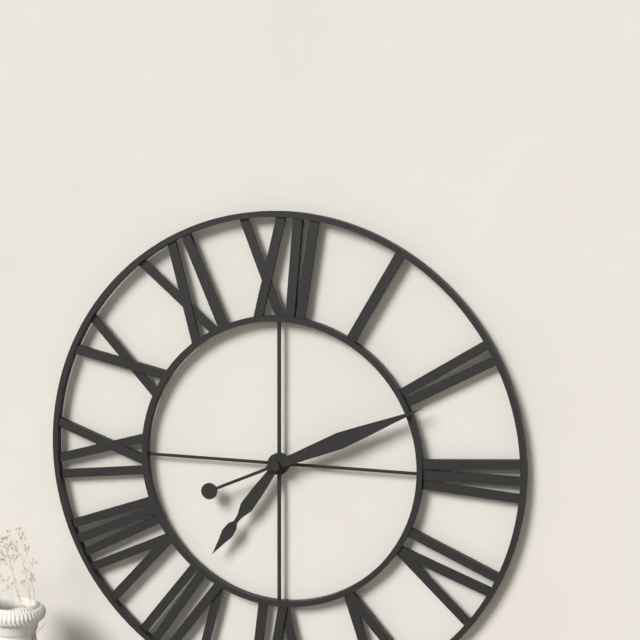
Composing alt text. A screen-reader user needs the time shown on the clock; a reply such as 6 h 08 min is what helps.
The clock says 7 h 11 min
